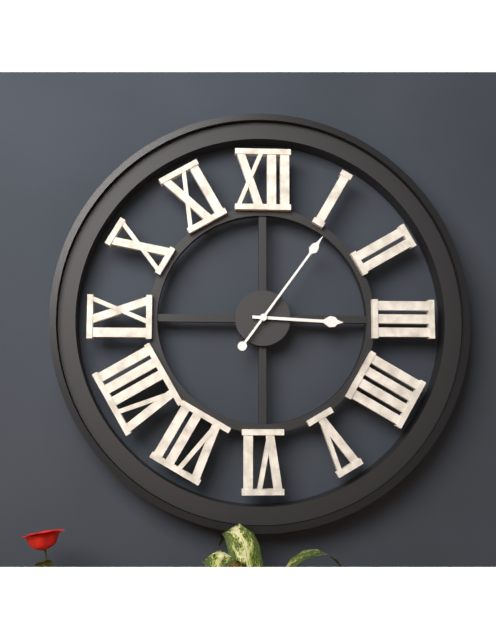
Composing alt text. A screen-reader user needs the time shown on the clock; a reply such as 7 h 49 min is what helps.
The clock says 3 h 06 min
